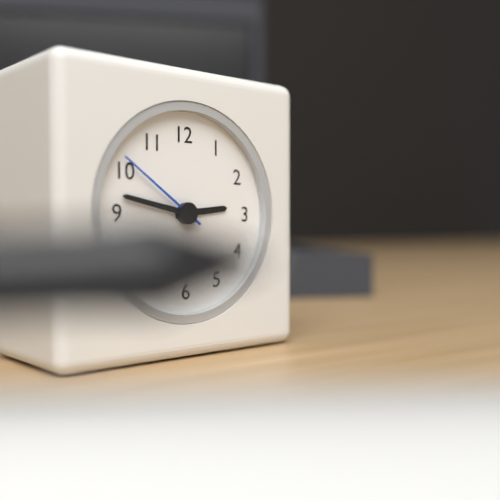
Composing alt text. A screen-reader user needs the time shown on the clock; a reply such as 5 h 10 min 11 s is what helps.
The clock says 2 h 47 min 51 s
